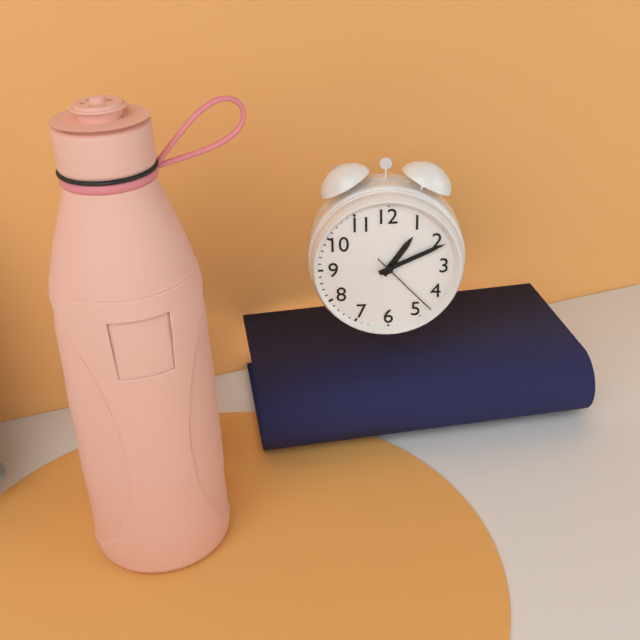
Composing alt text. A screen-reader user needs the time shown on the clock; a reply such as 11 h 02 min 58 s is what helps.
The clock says 1 h 11 min 23 s
